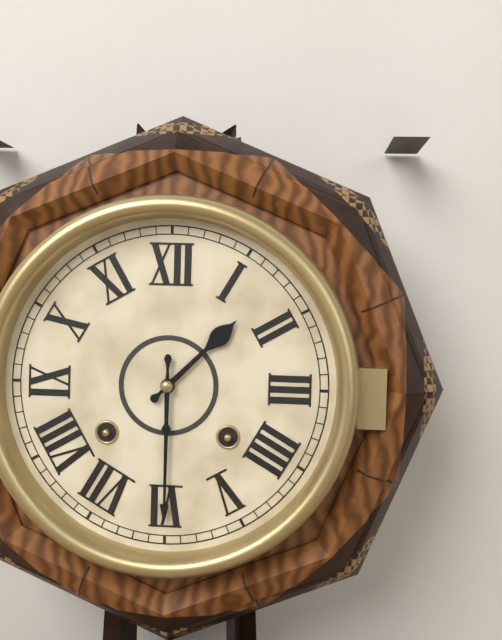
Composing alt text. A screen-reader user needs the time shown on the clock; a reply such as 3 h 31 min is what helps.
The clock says 1 h 30 min
